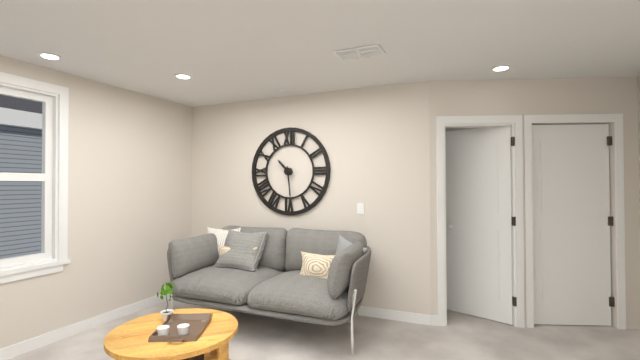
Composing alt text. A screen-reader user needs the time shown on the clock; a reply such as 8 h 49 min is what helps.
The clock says 10 h 29 min
